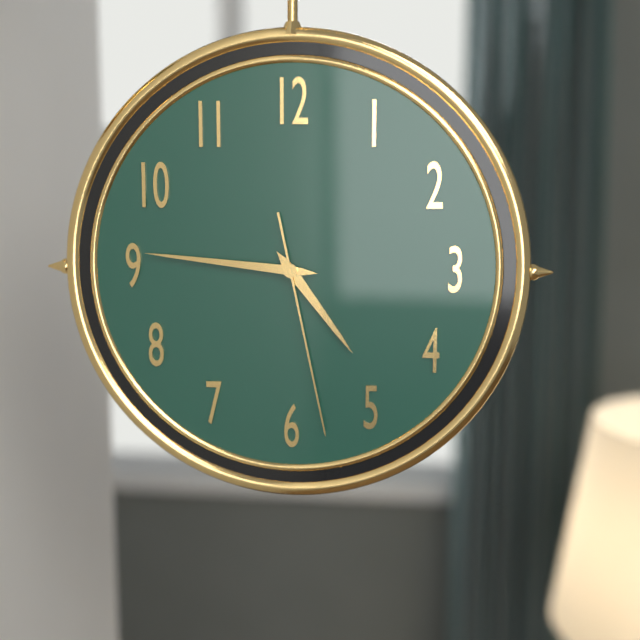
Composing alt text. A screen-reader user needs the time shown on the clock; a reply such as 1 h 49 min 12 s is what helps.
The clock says 4 h 46 min 28 s
